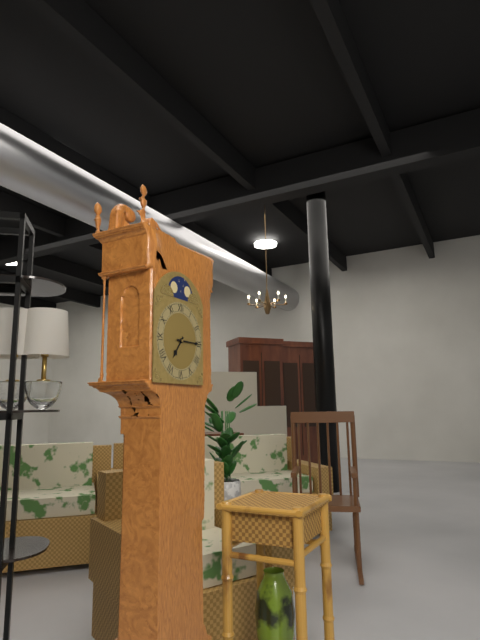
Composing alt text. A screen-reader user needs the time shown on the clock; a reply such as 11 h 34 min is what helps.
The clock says 7 h 15 min
